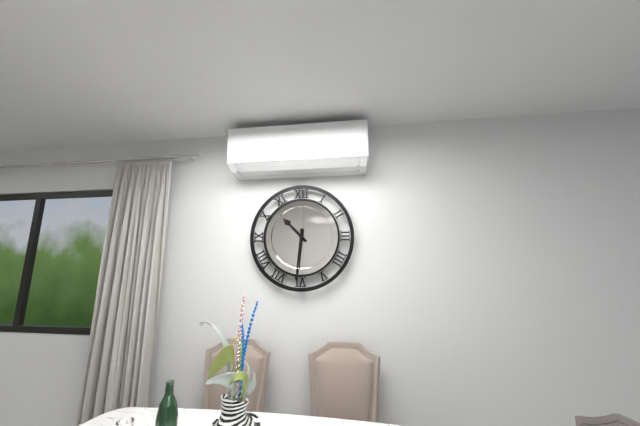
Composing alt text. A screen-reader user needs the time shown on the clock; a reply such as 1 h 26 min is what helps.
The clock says 10 h 31 min
